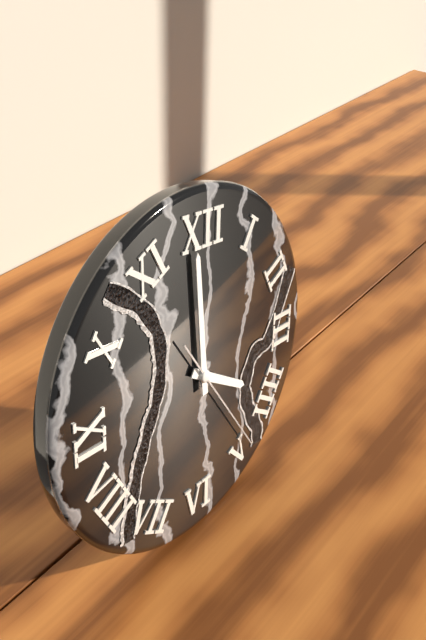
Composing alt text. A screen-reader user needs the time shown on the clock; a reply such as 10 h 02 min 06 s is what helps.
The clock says 3 h 59 min 24 s
